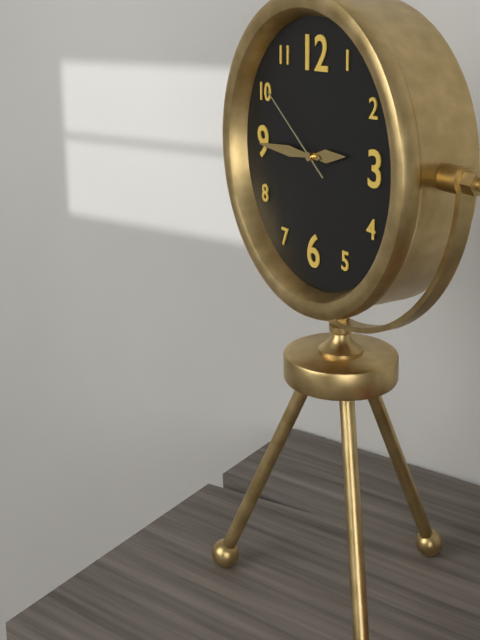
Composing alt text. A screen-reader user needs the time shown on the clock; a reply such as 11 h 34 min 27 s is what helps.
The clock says 2 h 45 min 51 s
